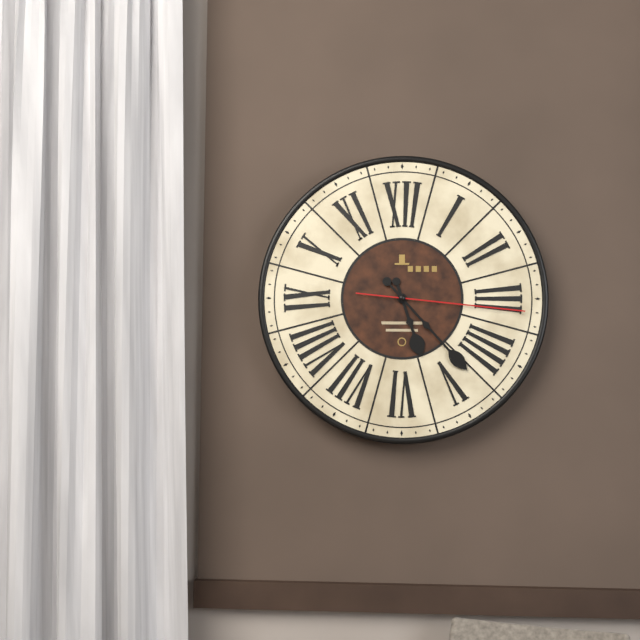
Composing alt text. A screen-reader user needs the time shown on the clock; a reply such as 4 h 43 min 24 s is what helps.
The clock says 5 h 23 min 16 s
